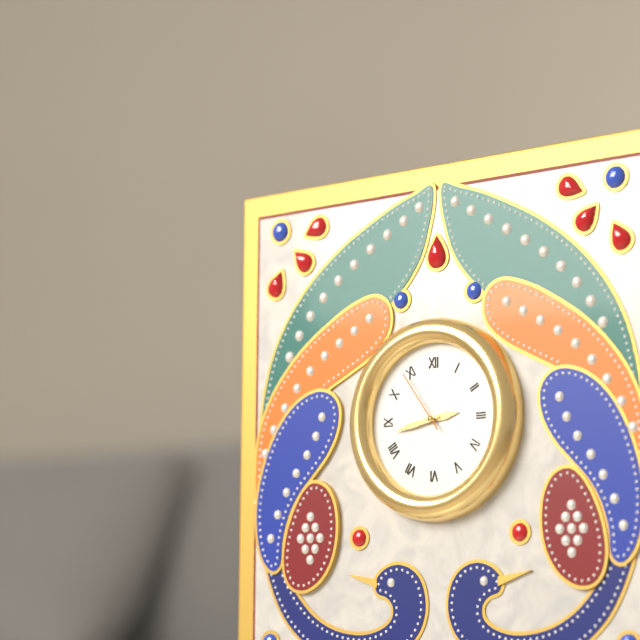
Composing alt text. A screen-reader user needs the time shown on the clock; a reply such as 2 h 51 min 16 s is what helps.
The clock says 2 h 43 min 54 s
